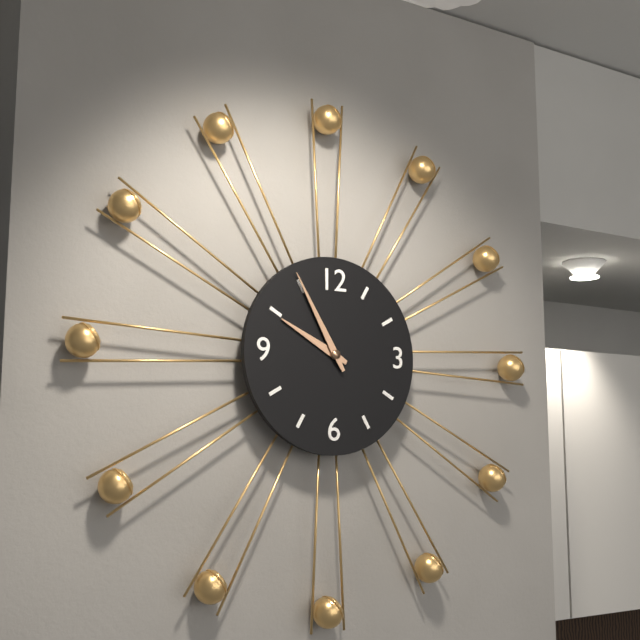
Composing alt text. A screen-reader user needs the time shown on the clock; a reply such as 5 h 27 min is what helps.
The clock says 9 h 55 min
